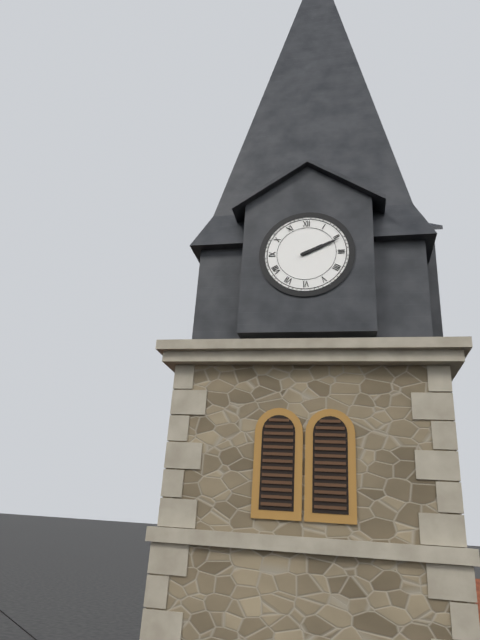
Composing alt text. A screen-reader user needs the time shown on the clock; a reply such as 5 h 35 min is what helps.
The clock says 2 h 11 min
